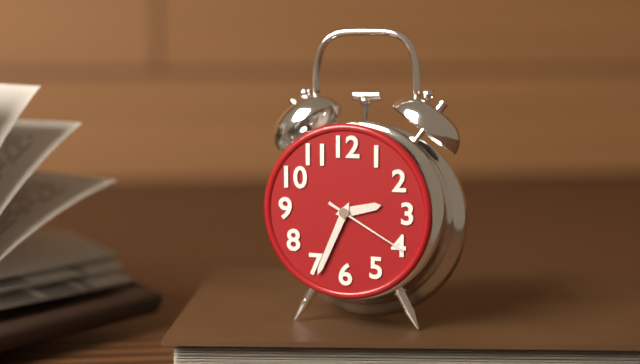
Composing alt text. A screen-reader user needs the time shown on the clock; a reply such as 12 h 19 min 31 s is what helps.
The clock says 2 h 34 min 20 s
